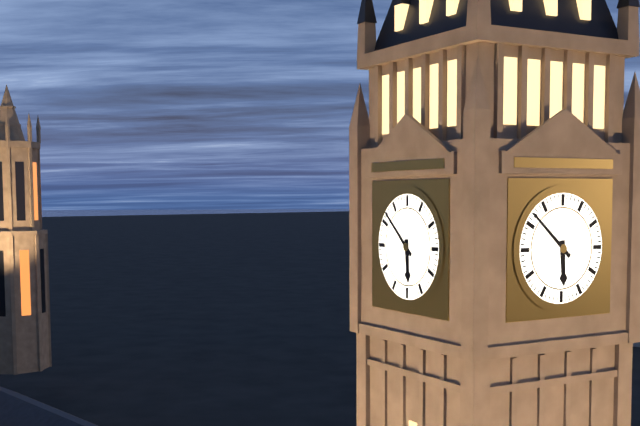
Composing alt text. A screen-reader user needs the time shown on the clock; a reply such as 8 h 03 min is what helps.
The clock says 5 h 52 min
